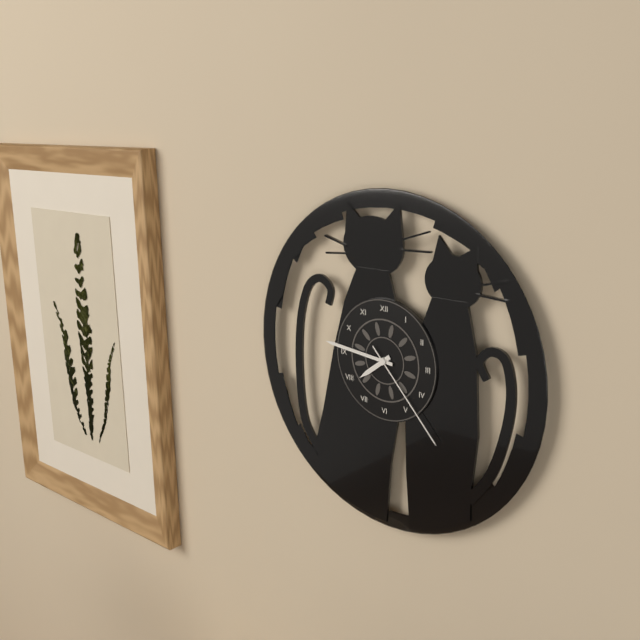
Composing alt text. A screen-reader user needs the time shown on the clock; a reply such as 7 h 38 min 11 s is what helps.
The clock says 7 h 46 min 23 s
